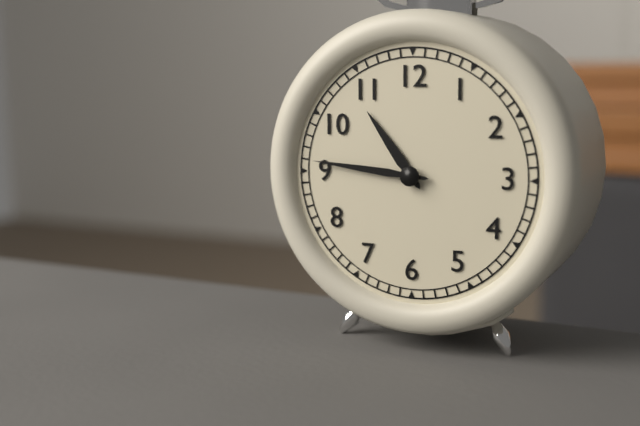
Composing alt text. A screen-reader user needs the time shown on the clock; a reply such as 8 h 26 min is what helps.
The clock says 10 h 46 min
